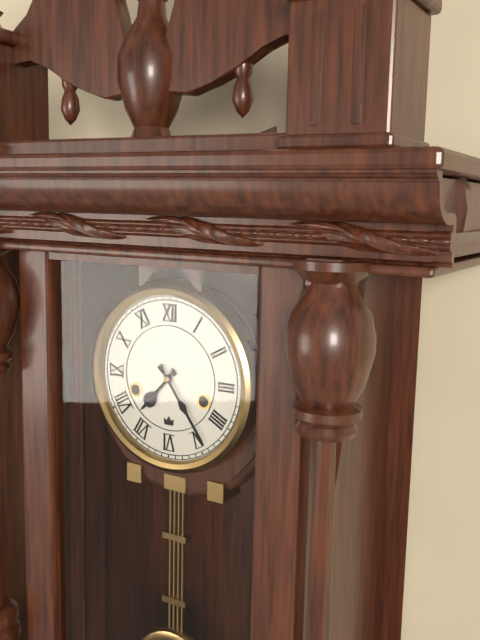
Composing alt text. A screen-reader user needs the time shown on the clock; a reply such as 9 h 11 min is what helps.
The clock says 7 h 24 min
